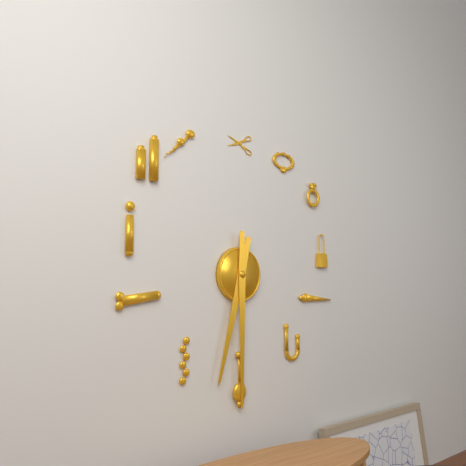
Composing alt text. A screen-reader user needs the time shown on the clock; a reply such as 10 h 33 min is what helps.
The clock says 6 h 30 min
